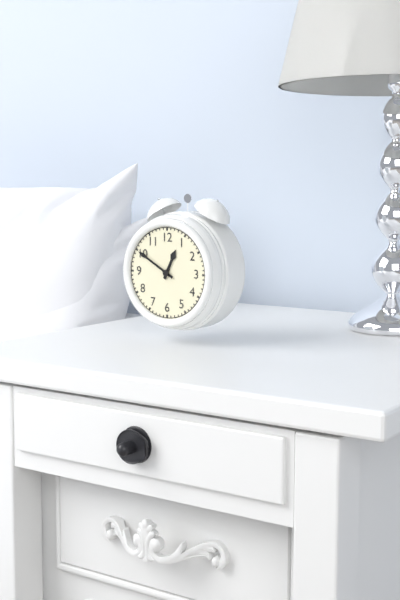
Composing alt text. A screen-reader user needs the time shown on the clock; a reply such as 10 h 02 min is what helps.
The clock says 12 h 50 min
